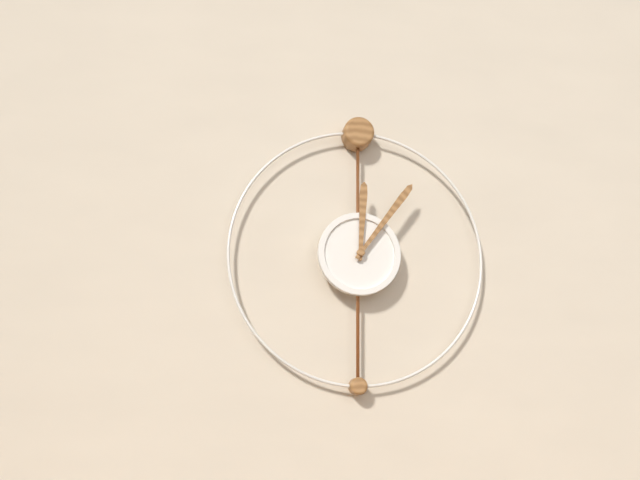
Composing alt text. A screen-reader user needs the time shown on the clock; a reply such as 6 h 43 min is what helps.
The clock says 12 h 06 min
